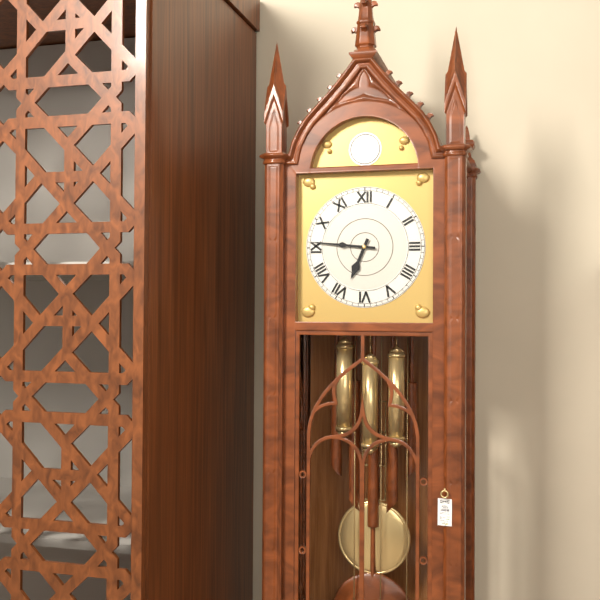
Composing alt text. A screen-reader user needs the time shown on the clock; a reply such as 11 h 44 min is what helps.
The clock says 6 h 46 min
